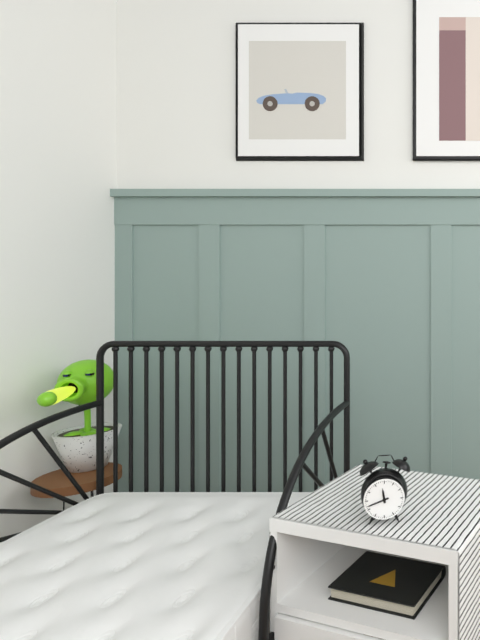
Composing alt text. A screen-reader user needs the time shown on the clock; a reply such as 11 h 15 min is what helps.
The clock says 11 h 42 min
